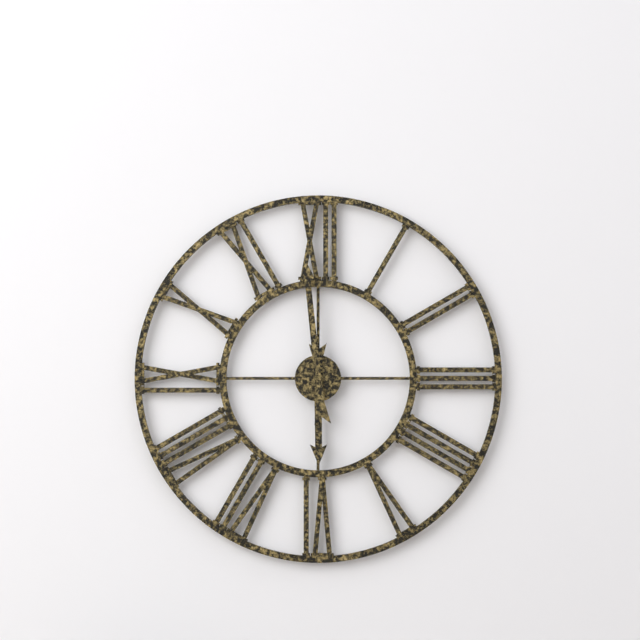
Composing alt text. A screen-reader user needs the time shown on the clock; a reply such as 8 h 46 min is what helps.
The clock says 5 h 59 min
